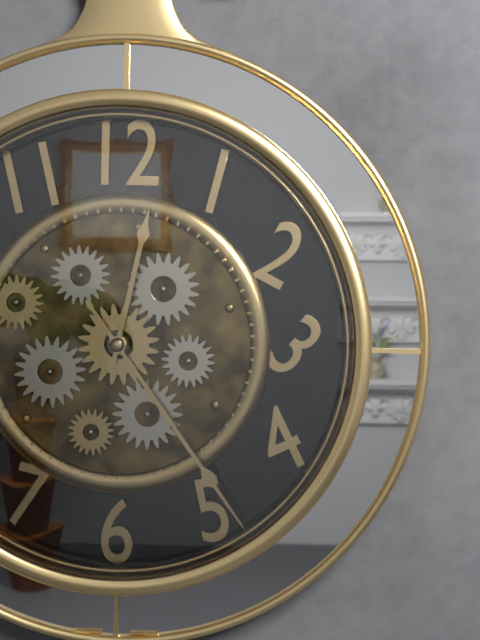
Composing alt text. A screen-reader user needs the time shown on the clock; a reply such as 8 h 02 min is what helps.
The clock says 12 h 24 min
